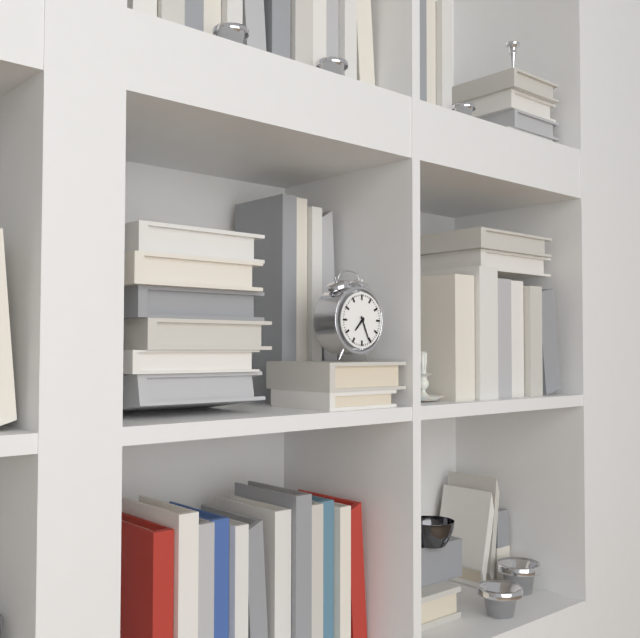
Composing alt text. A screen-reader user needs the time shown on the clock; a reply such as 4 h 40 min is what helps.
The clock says 7 h 26 min
